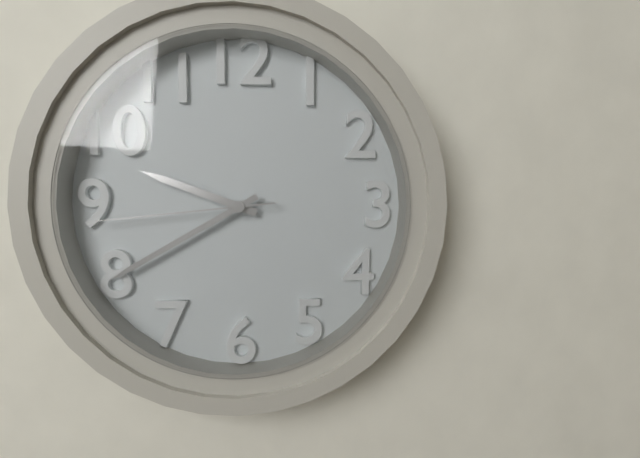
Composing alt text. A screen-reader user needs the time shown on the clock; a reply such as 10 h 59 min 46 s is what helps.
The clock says 9 h 40 min 44 s
